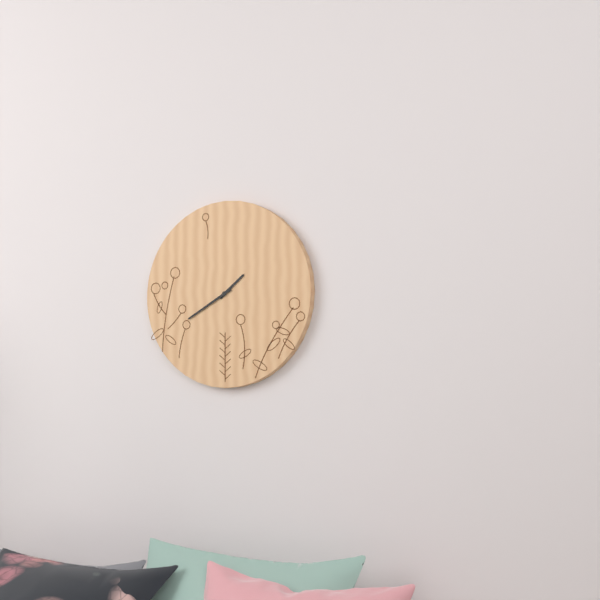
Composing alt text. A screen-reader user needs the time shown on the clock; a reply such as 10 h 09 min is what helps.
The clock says 1 h 40 min
